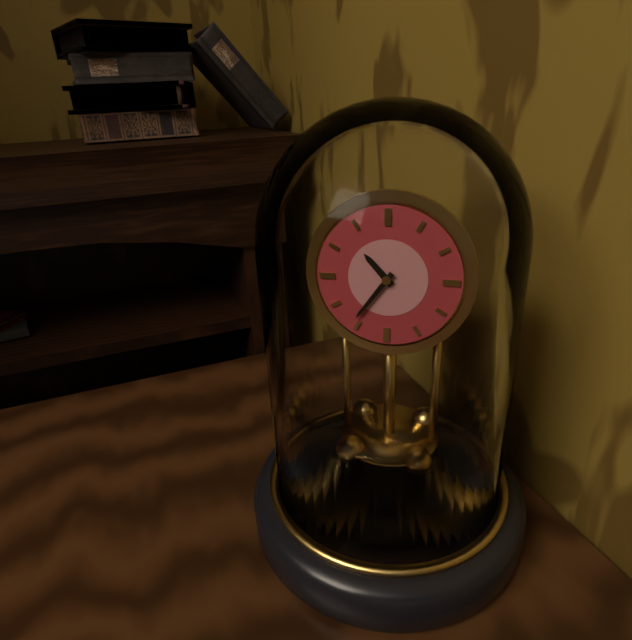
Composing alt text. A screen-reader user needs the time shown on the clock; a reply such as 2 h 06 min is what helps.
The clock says 10 h 36 min
